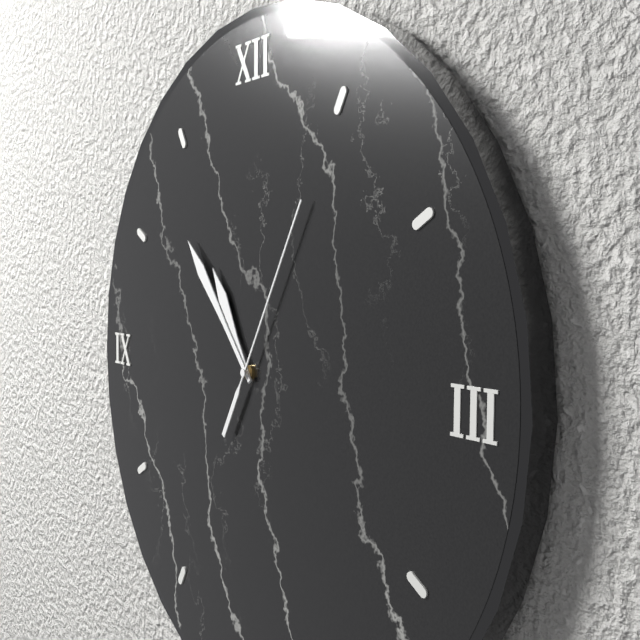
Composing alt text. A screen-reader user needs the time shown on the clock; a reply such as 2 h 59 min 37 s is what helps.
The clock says 10 h 53 min 05 s
